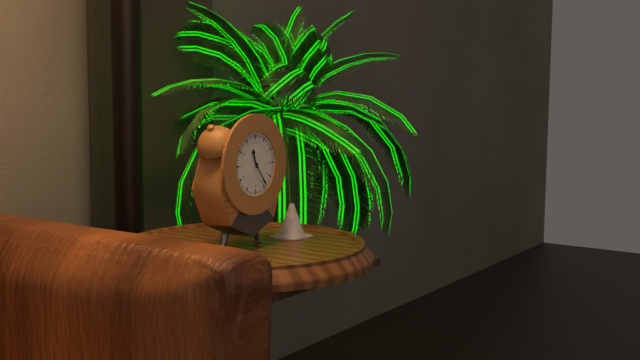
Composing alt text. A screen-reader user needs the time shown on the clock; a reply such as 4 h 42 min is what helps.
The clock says 11 h 24 min
